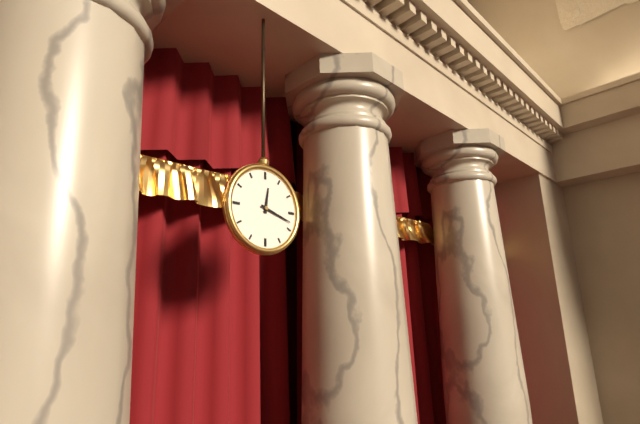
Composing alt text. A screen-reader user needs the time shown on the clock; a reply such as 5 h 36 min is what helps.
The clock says 12 h 18 min
